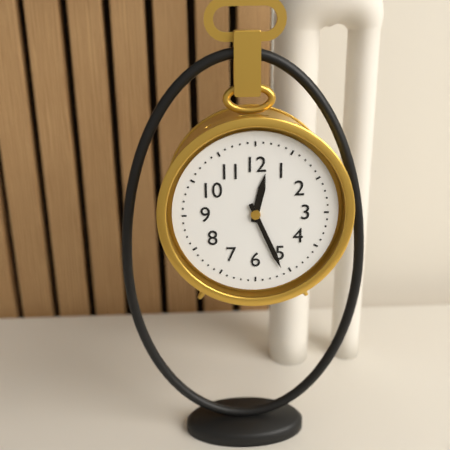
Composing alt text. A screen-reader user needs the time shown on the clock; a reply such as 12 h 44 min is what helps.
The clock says 12 h 26 min
